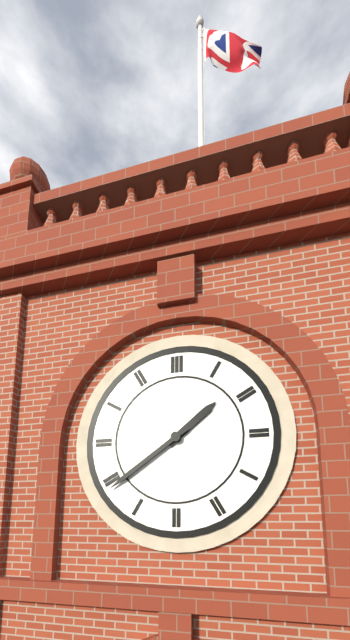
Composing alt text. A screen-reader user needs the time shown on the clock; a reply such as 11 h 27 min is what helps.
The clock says 1 h 39 min
